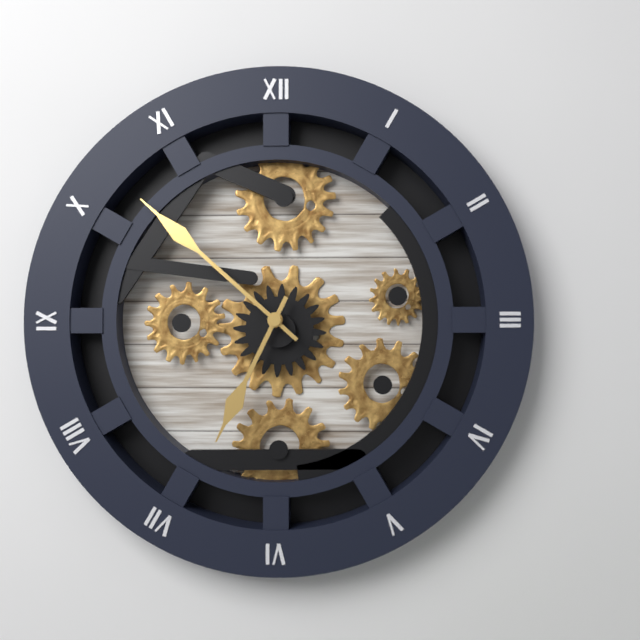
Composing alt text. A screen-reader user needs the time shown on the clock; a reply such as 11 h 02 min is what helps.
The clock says 6 h 52 min
